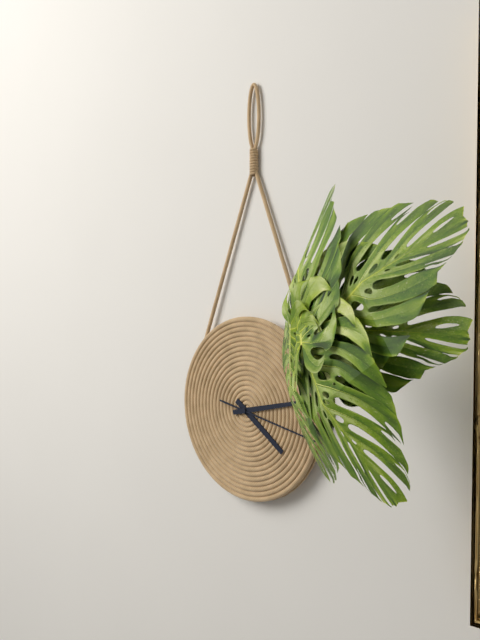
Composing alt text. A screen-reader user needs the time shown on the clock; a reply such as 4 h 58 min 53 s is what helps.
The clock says 4 h 13 min 17 s
